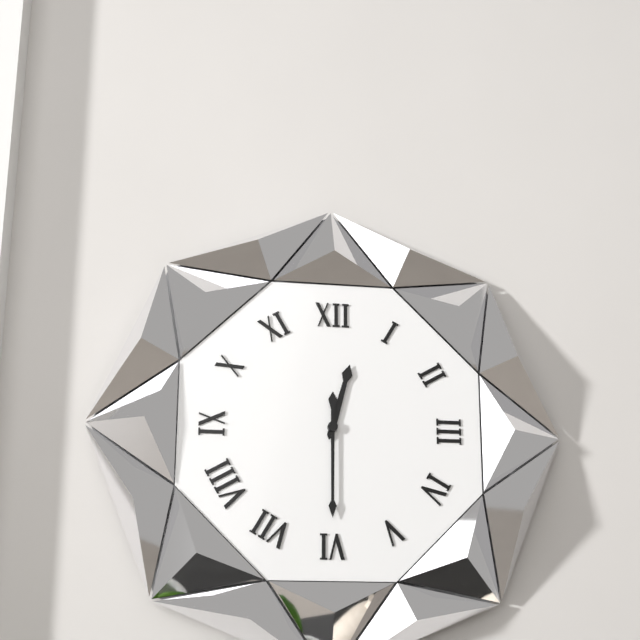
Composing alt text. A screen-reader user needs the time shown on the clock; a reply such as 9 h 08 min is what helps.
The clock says 12 h 30 min
